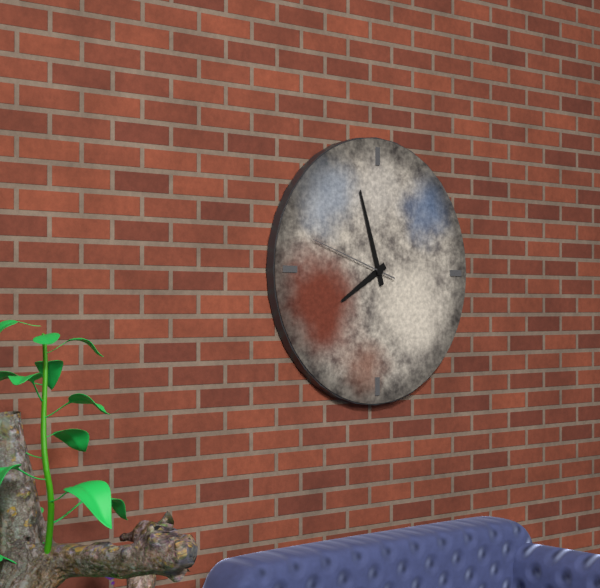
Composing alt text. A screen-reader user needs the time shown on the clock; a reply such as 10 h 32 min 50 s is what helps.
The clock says 7 h 57 min 48 s
